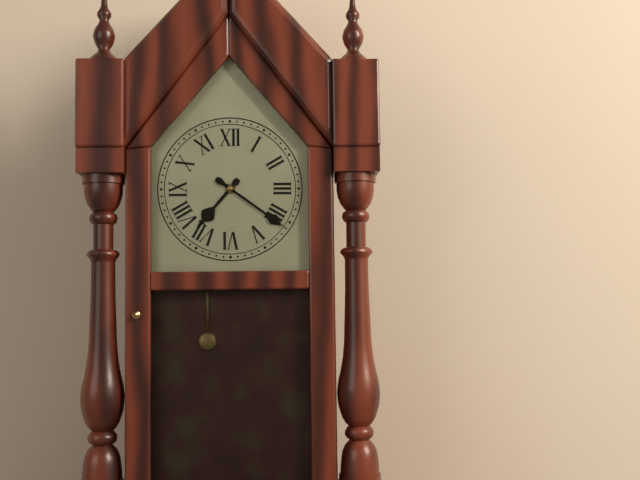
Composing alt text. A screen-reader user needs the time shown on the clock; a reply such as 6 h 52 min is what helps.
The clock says 7 h 21 min
